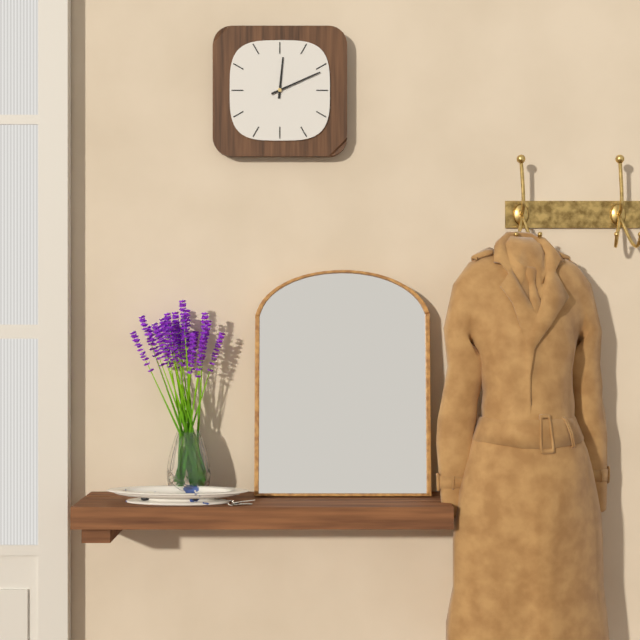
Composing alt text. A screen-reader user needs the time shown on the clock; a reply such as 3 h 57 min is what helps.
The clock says 12 h 11 min
